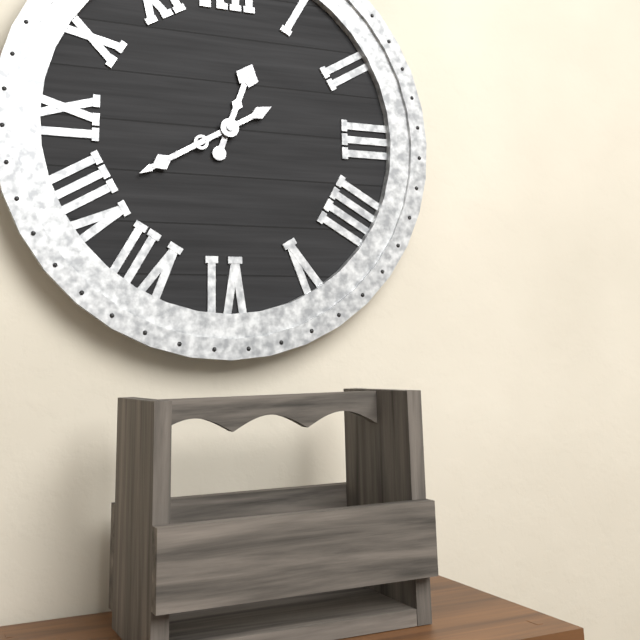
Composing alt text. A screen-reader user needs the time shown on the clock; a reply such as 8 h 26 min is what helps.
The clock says 12 h 40 min
